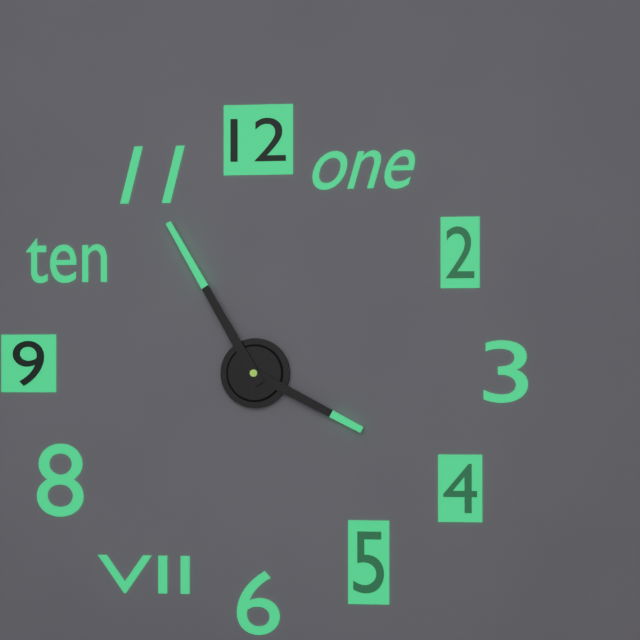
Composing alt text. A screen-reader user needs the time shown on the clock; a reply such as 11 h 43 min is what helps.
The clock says 3 h 55 min
